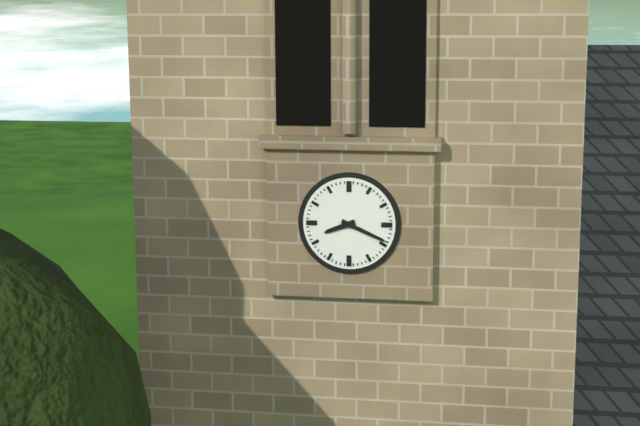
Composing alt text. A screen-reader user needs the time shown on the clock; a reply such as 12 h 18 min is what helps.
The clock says 8 h 19 min
